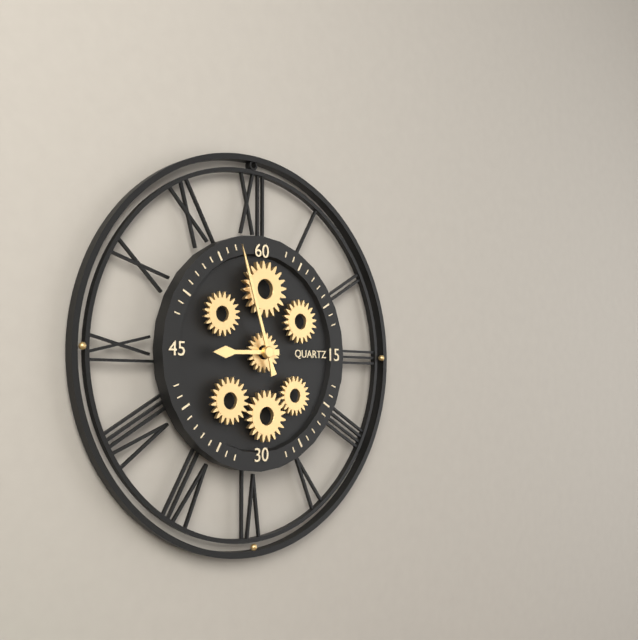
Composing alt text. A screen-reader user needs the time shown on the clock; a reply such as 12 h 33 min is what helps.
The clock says 8 h 57 min
